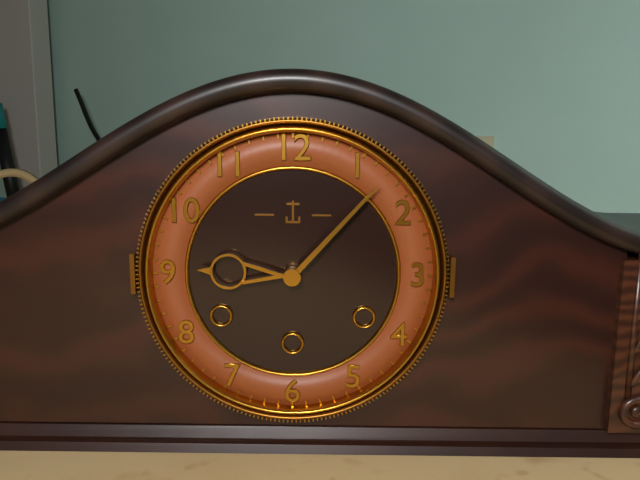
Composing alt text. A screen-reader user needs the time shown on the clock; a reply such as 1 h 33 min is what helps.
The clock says 9 h 07 min
